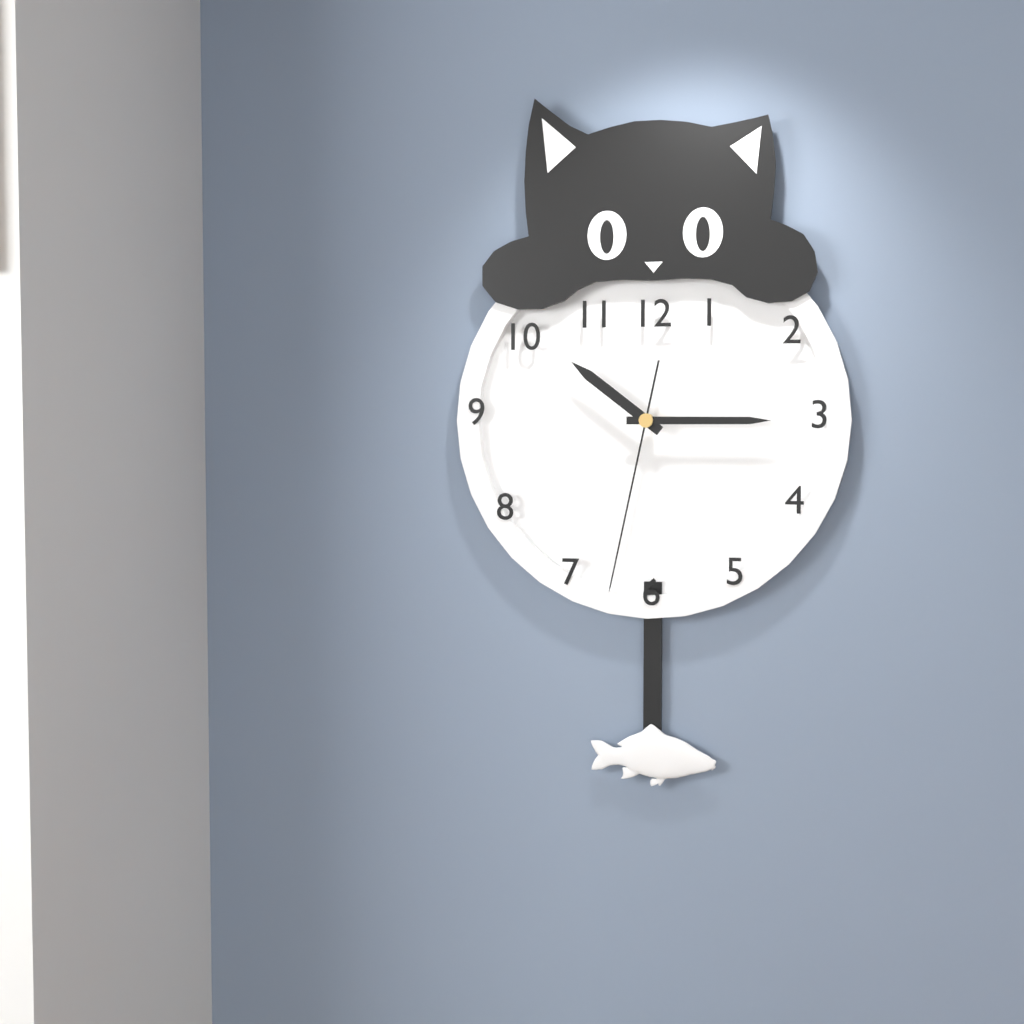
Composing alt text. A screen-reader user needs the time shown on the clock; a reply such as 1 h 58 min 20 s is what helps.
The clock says 10 h 15 min 32 s
